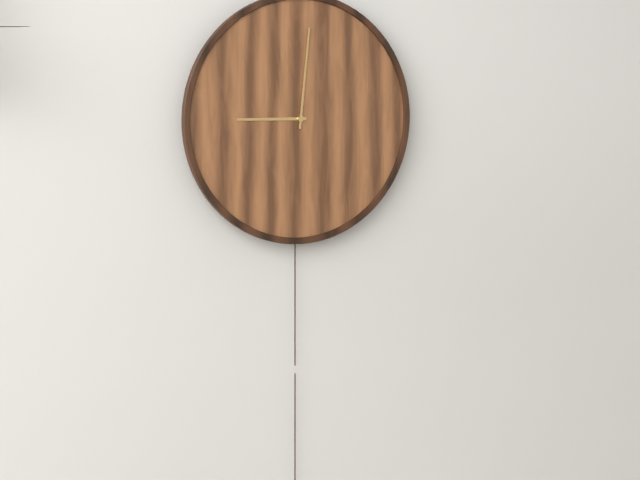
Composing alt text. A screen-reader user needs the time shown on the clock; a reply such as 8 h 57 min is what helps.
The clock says 9 h 01 min
